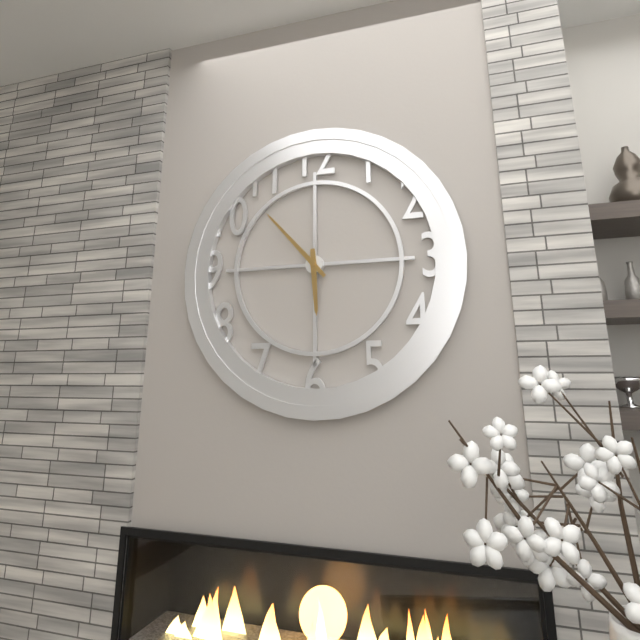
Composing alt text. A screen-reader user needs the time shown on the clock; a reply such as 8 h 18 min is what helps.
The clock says 5 h 53 min
